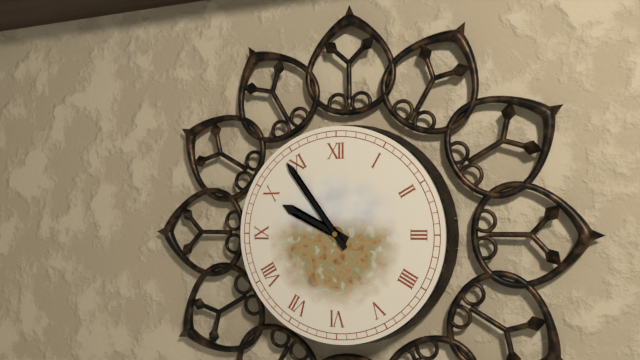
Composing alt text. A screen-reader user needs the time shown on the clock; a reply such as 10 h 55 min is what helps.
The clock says 9 h 54 min
